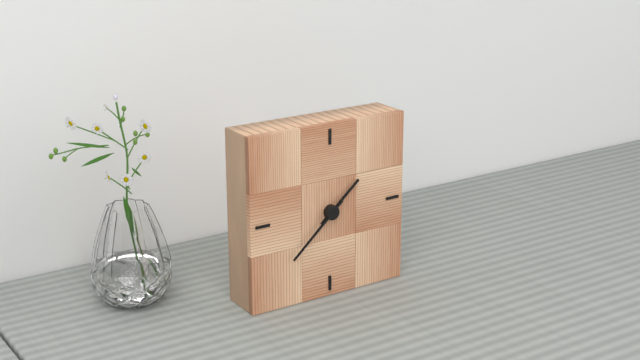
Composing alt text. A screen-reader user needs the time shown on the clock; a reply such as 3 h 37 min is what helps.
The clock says 1 h 38 min
